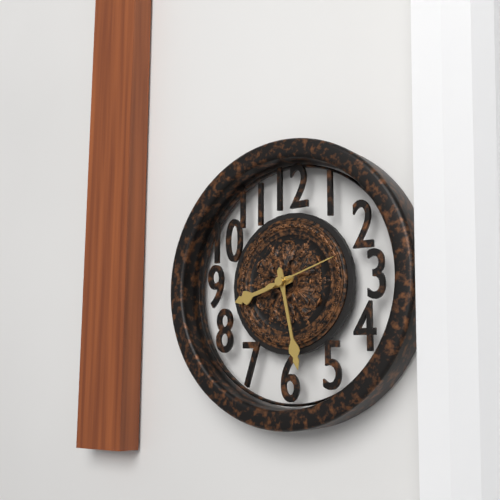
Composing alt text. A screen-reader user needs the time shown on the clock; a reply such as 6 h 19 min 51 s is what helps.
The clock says 8 h 28 min 12 s
